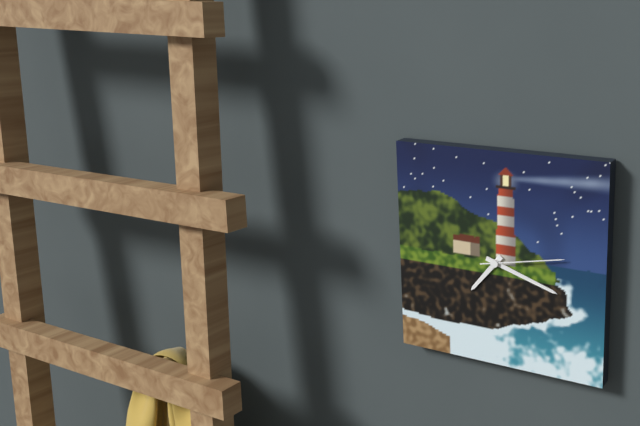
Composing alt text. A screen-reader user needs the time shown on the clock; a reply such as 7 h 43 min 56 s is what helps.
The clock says 7 h 18 min 13 s
